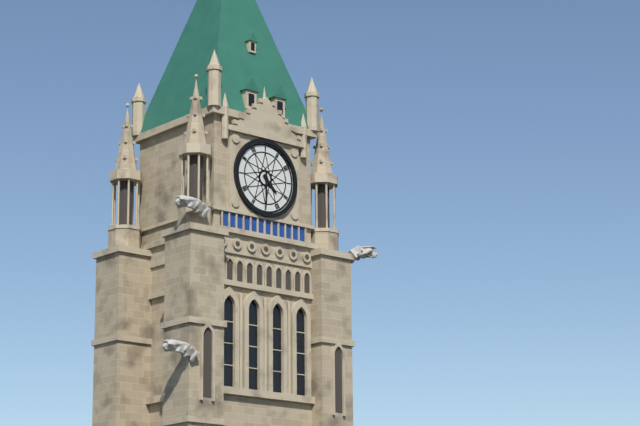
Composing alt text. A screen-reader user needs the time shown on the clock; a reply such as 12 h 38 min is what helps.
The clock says 4 h 30 min
